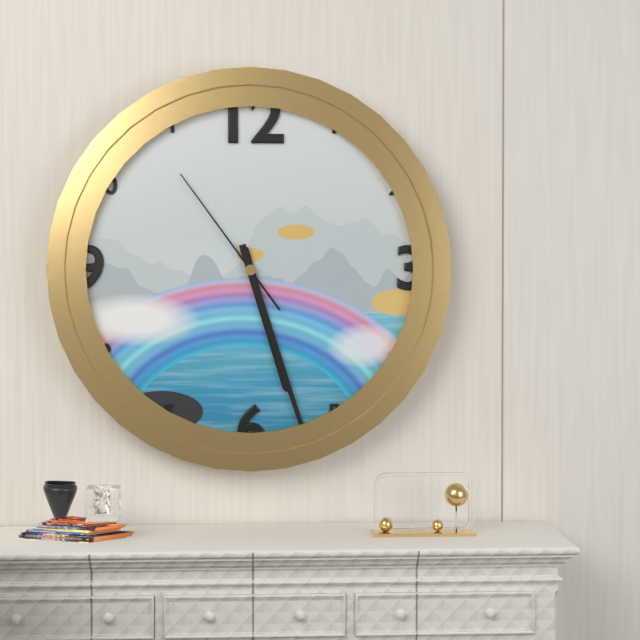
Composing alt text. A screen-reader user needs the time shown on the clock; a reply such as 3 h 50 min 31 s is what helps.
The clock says 5 h 27 min 54 s
